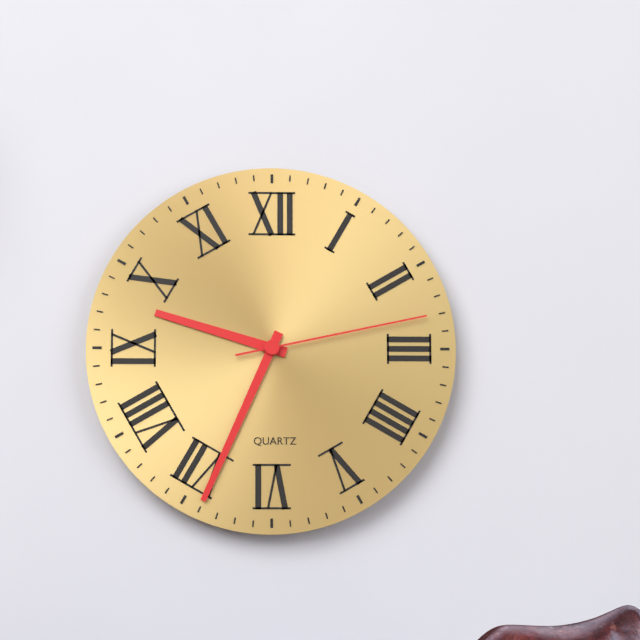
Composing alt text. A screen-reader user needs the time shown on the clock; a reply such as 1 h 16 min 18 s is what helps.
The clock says 9 h 34 min 13 s
